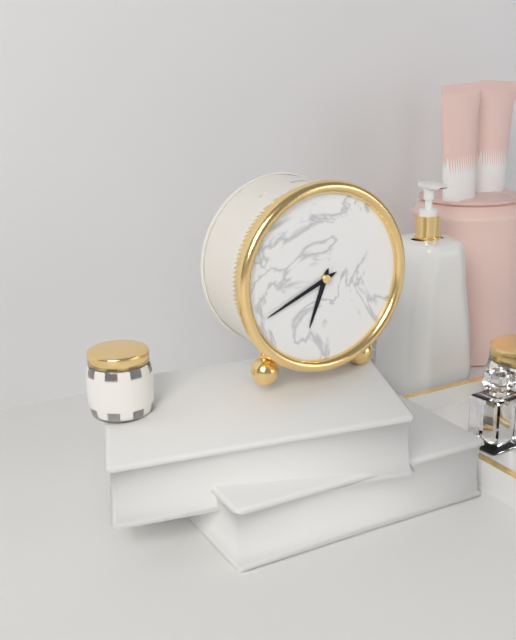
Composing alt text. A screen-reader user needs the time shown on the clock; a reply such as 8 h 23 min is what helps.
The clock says 6 h 41 min
